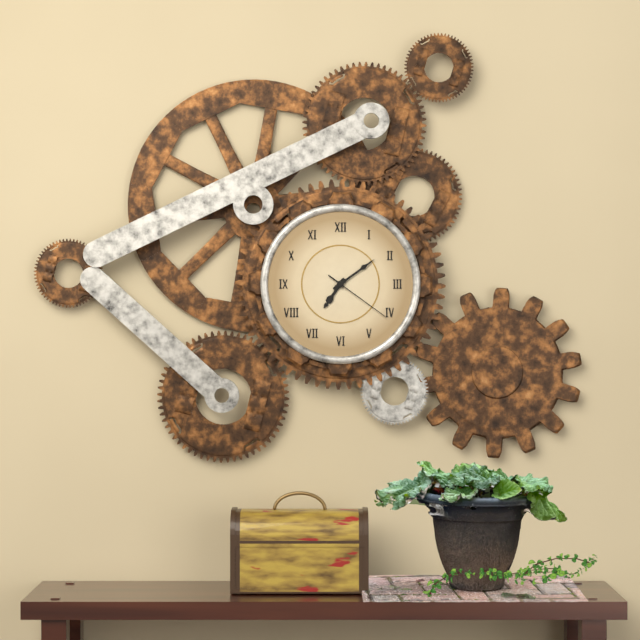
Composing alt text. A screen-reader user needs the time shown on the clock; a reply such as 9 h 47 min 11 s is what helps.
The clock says 7 h 09 min 21 s
